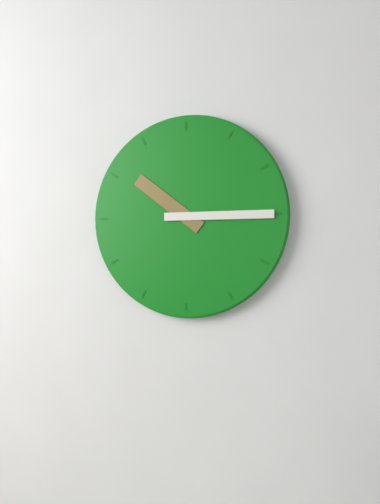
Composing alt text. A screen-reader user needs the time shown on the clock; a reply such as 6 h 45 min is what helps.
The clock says 10 h 15 min
